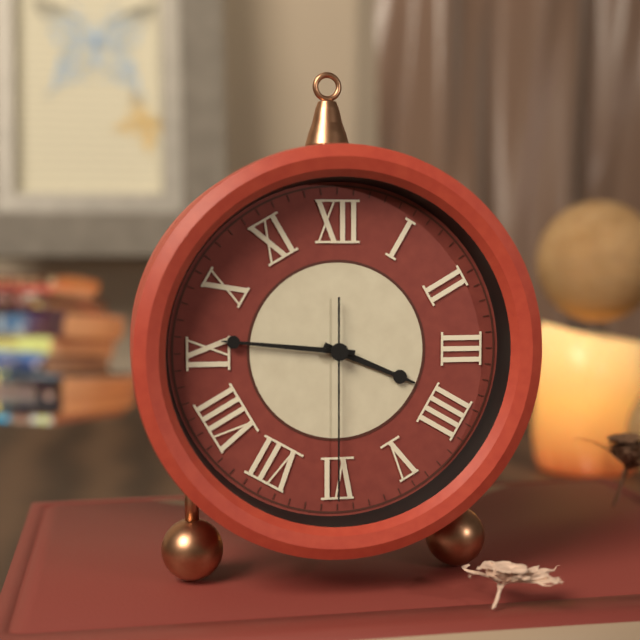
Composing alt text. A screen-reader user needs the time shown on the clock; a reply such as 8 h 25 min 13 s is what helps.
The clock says 3 h 46 min 30 s
